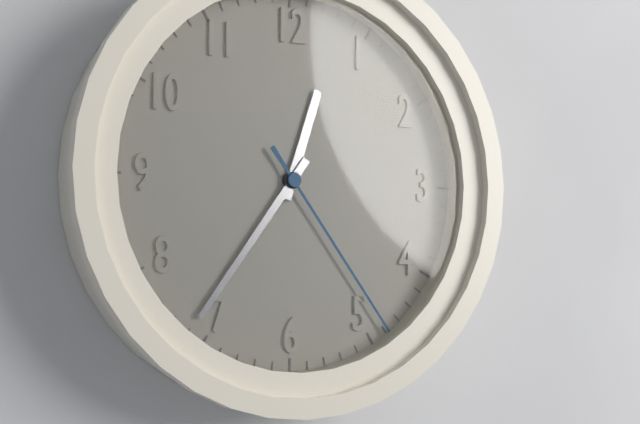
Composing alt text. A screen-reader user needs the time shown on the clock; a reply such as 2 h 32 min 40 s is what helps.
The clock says 12 h 36 min 24 s
